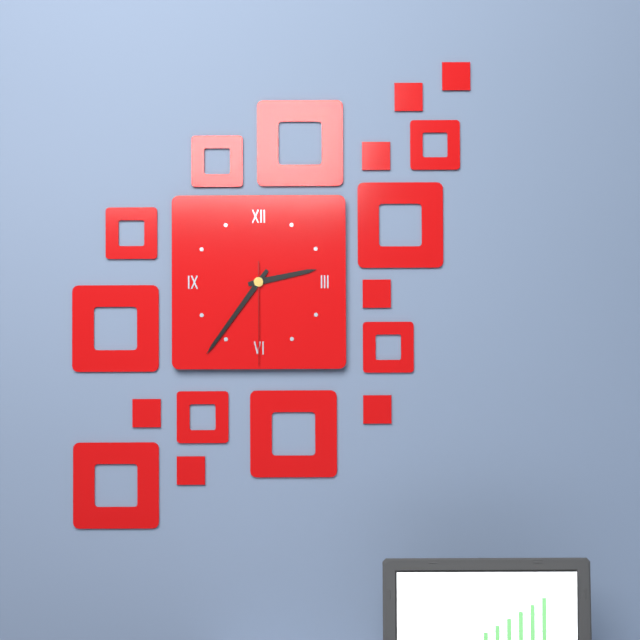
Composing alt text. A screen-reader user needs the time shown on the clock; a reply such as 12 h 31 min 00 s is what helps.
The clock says 2 h 36 min 30 s
